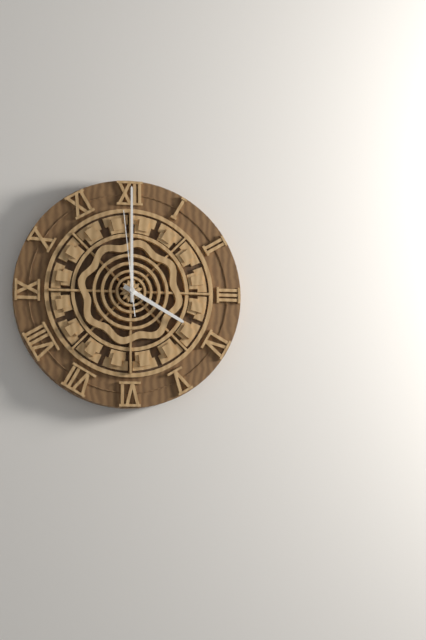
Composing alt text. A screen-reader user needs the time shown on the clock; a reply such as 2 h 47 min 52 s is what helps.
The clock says 4 h 00 min 59 s
